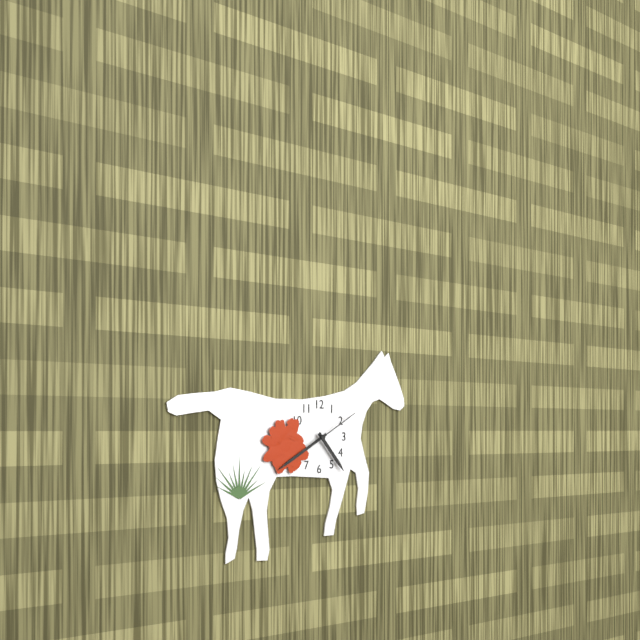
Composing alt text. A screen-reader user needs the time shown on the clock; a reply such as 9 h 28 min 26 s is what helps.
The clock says 4 h 40 min 10 s
